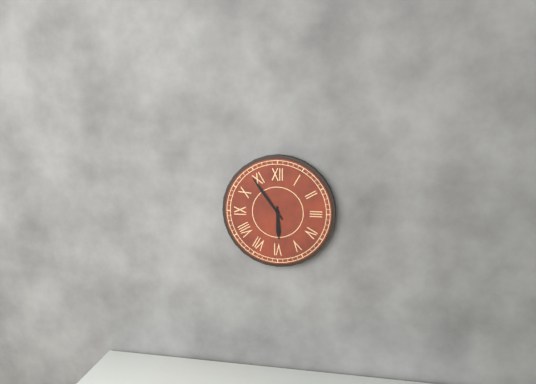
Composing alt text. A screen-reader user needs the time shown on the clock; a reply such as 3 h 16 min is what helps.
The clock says 5 h 54 min
